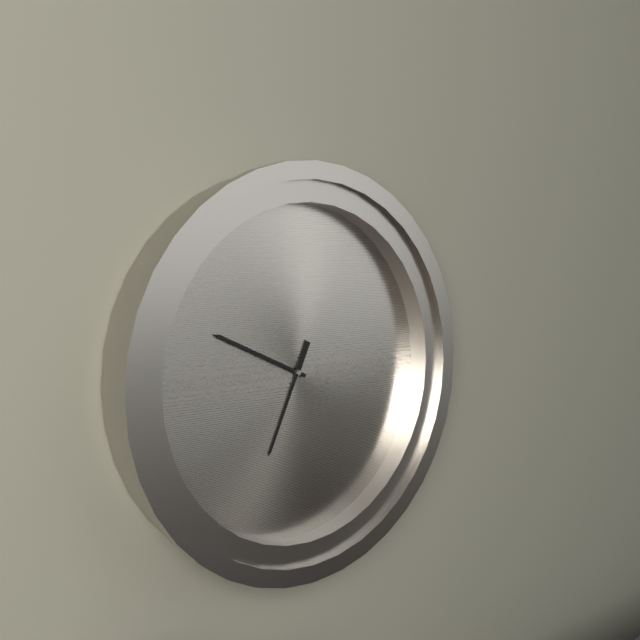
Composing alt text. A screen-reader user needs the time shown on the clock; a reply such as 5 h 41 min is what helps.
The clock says 6 h 49 min
